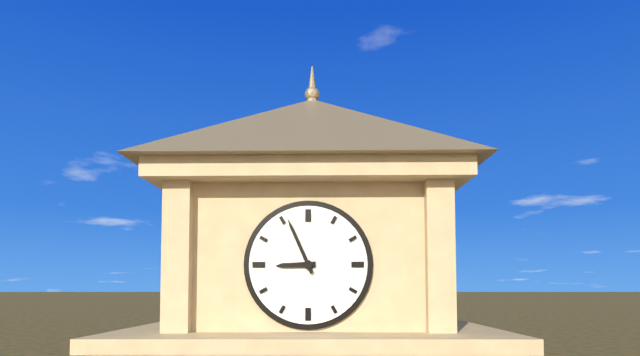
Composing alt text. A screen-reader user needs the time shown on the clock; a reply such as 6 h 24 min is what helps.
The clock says 8 h 56 min
